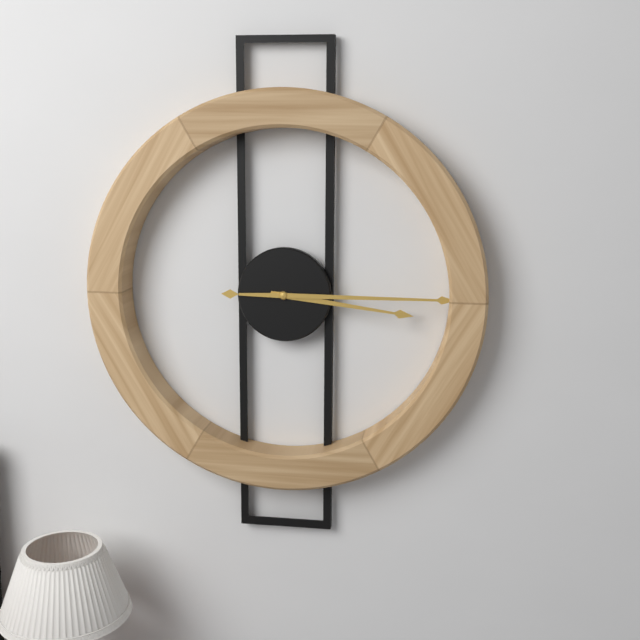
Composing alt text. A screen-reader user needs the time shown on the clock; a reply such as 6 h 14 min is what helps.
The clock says 3 h 15 min
